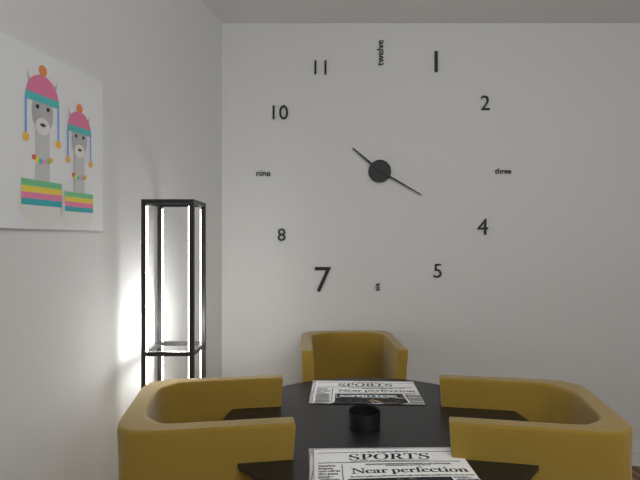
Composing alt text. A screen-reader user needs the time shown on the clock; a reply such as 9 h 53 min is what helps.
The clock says 10 h 20 min
